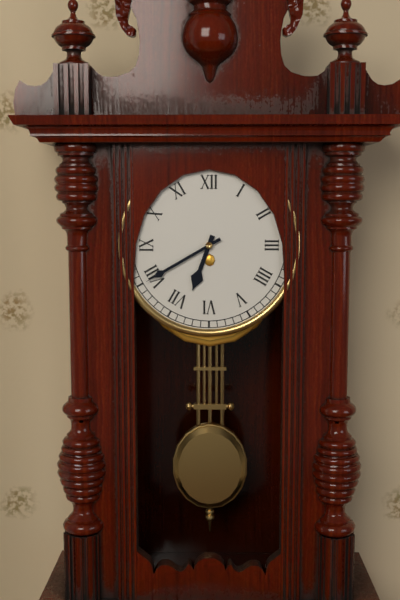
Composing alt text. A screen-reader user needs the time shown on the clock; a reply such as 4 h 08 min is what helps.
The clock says 6 h 40 min
